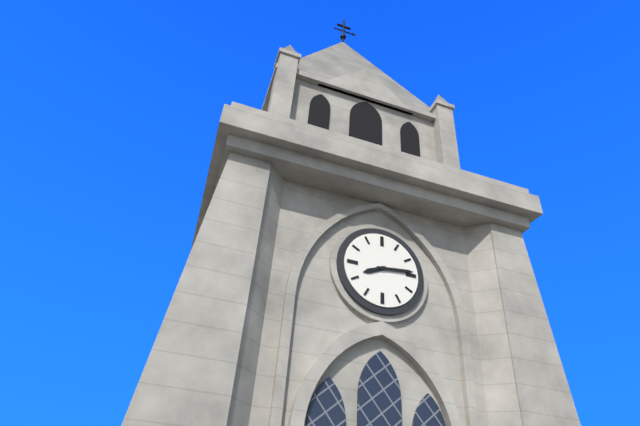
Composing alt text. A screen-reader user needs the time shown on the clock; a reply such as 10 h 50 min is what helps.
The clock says 8 h 14 min
